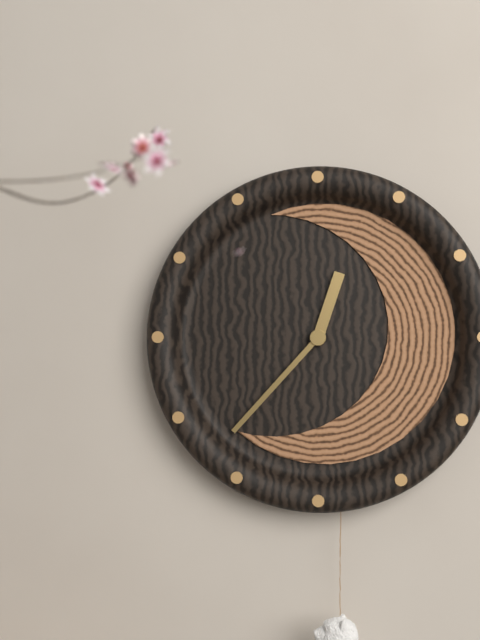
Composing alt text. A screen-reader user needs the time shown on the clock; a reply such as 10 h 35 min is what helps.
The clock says 12 h 37 min
